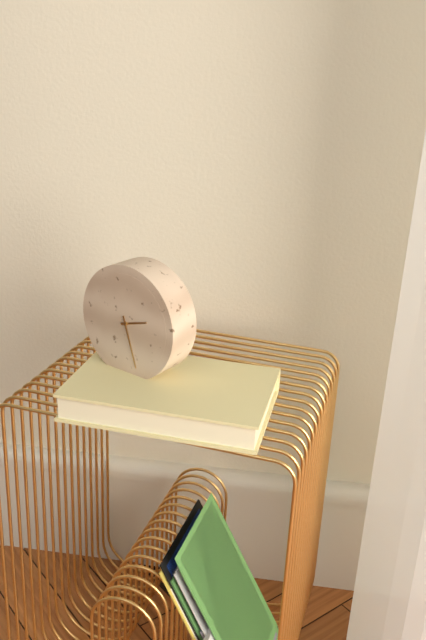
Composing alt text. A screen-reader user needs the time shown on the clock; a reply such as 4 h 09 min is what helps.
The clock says 2 h 27 min
